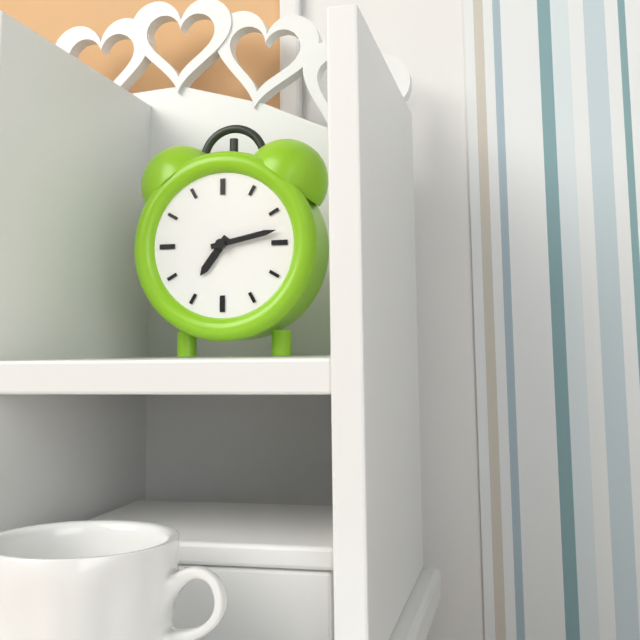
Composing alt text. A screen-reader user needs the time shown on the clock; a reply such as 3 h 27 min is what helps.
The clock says 7 h 13 min
